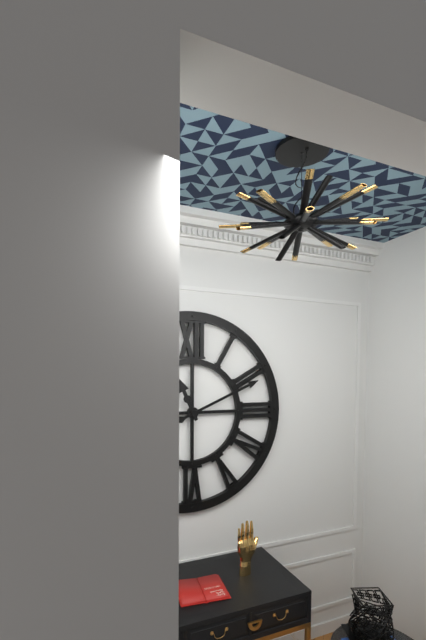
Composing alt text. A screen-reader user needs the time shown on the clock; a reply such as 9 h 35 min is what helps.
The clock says 11 h 11 min
